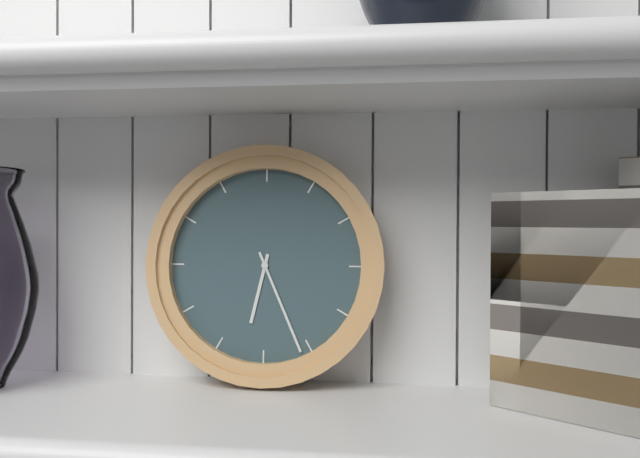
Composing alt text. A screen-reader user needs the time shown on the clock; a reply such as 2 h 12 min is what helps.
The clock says 6 h 26 min
